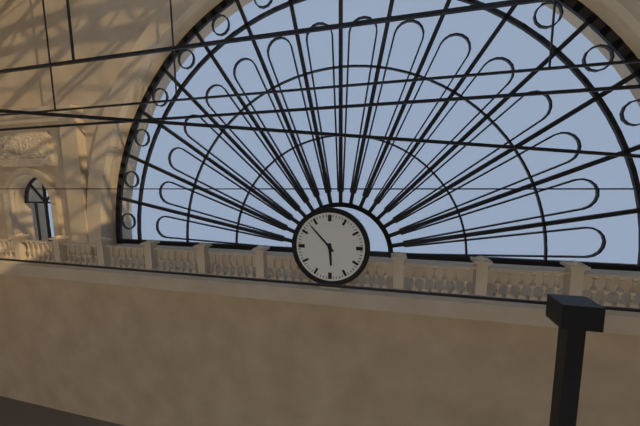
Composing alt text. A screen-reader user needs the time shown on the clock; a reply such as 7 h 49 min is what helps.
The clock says 5 h 53 min
